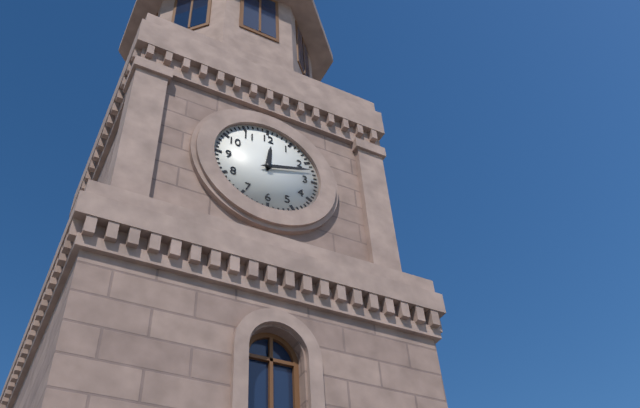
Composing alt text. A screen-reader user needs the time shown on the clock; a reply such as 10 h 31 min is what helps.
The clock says 12 h 12 min
